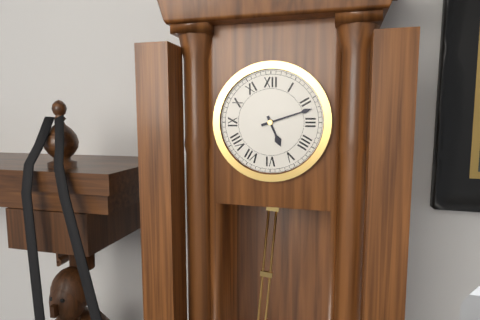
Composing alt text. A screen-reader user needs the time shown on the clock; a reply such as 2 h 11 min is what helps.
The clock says 5 h 12 min
